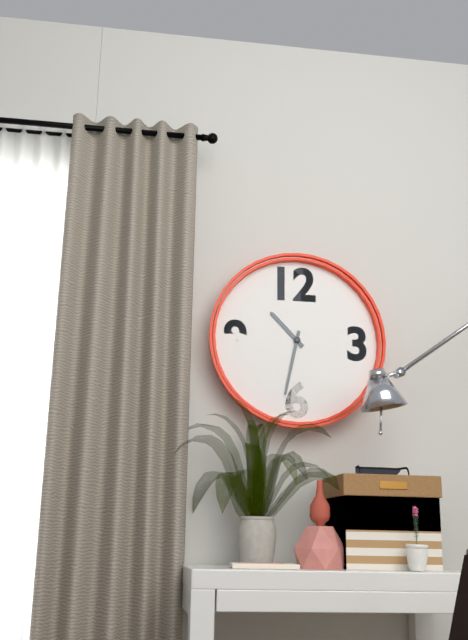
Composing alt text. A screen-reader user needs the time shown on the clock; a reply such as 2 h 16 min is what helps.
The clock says 10 h 32 min
